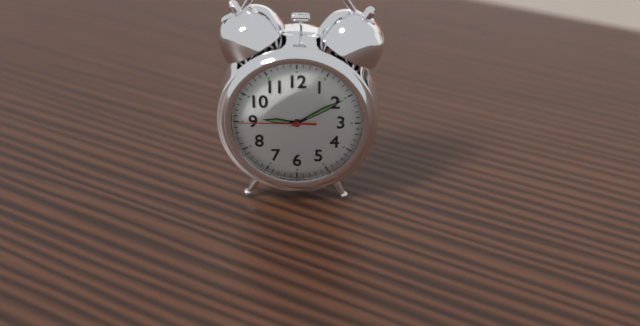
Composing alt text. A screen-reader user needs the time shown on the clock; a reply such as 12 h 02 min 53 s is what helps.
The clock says 9 h 10 min 45 s
